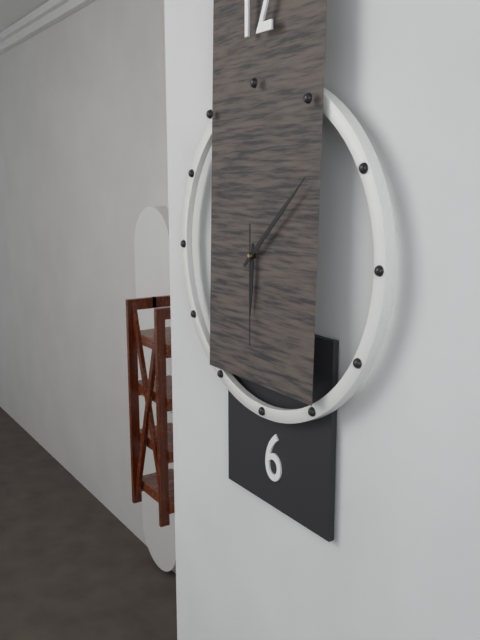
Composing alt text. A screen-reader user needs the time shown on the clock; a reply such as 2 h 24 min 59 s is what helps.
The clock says 6 h 08 min 30 s
